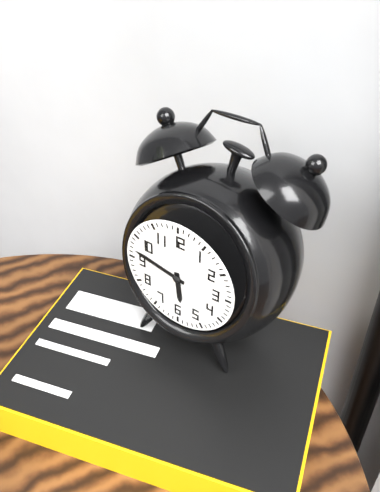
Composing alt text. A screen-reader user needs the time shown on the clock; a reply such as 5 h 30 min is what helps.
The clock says 5 h 47 min
